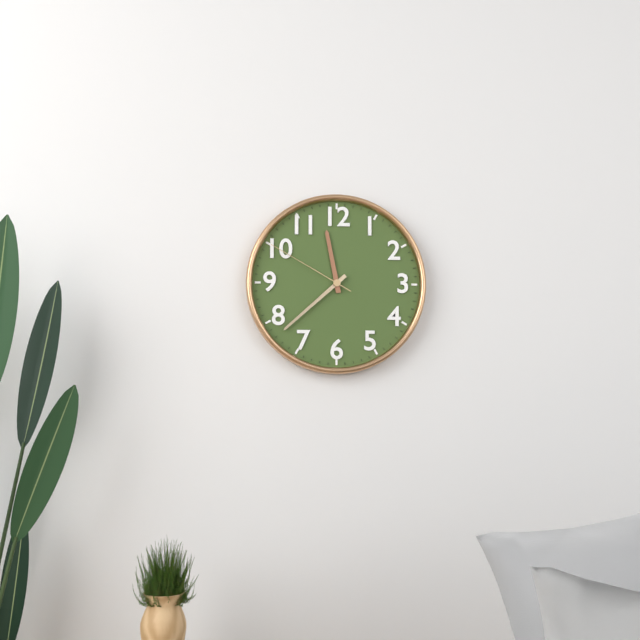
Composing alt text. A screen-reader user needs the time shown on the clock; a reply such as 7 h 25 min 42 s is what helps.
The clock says 11 h 38 min 50 s
